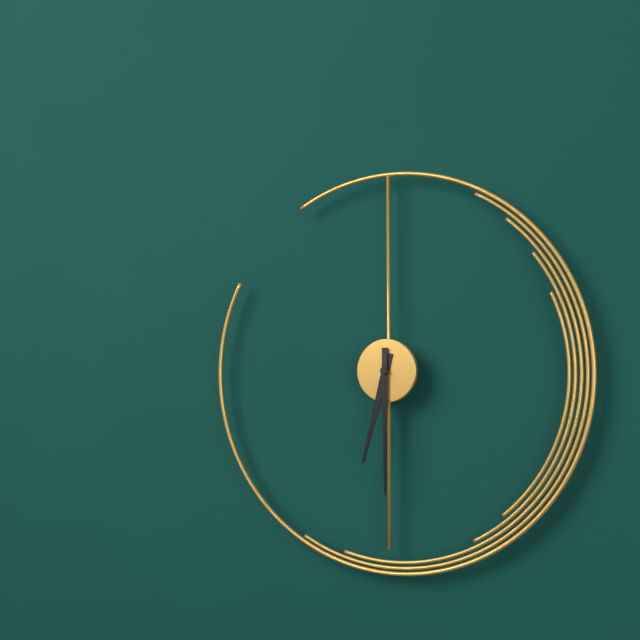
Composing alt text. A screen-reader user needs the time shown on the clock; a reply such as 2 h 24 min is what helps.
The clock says 6 h 30 min
